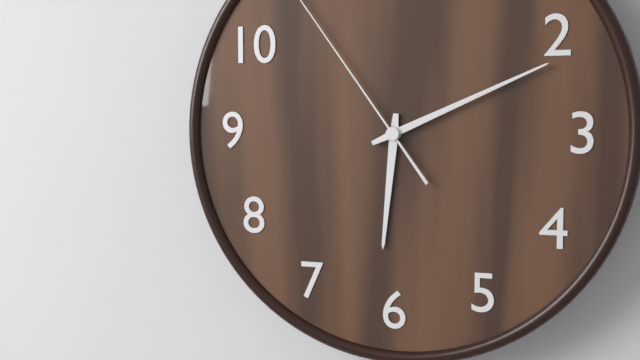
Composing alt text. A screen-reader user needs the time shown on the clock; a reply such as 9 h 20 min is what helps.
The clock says 6 h 11 min
